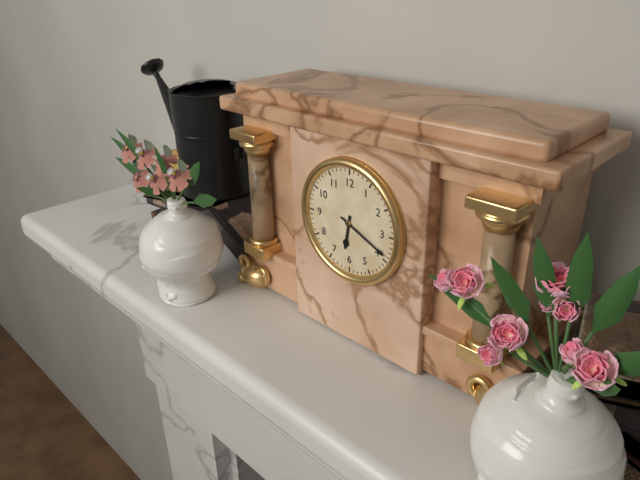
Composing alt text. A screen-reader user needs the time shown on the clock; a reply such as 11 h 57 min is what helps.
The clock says 6 h 19 min
